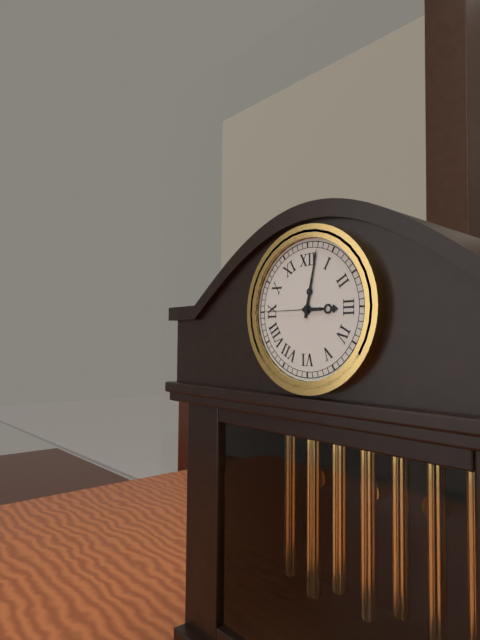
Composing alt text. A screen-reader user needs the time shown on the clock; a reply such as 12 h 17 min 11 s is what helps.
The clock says 3 h 02 min 45 s
